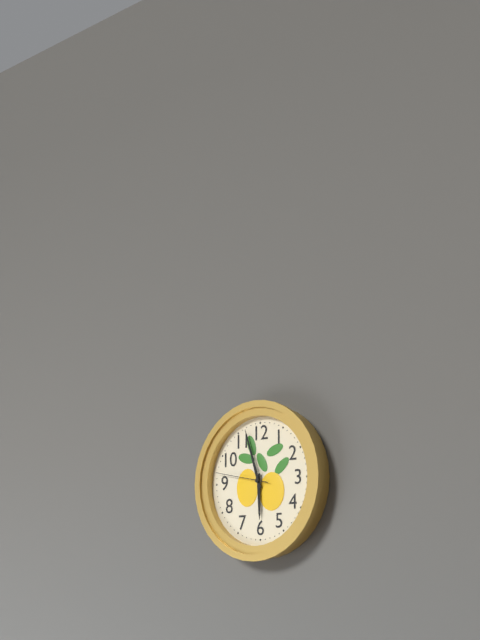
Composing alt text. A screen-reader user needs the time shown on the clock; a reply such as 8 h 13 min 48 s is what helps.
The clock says 5 h 57 min 47 s
